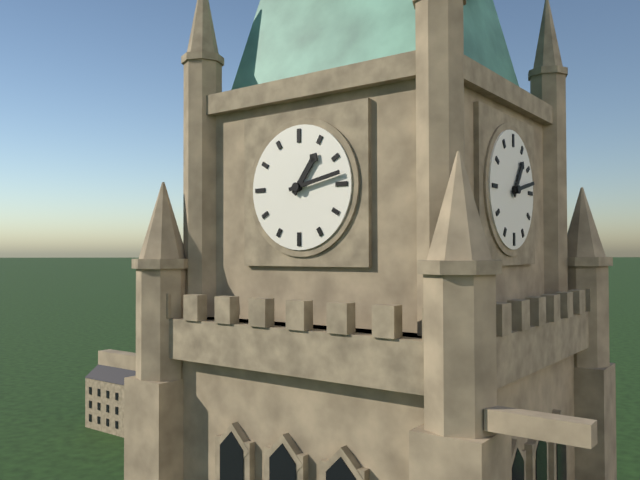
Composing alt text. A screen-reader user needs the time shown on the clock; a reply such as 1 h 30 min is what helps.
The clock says 1 h 13 min
